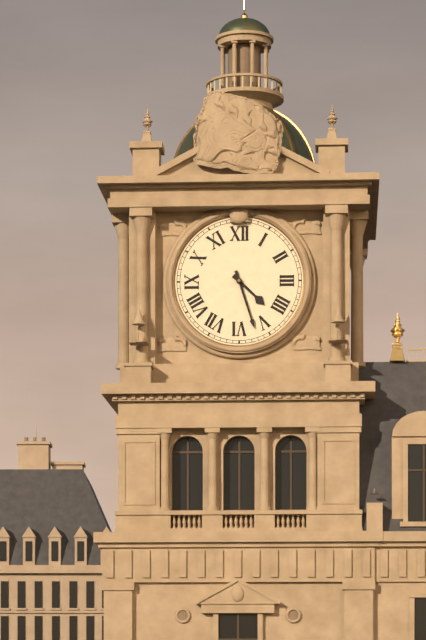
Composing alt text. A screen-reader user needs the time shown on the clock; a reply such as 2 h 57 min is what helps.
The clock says 4 h 27 min
